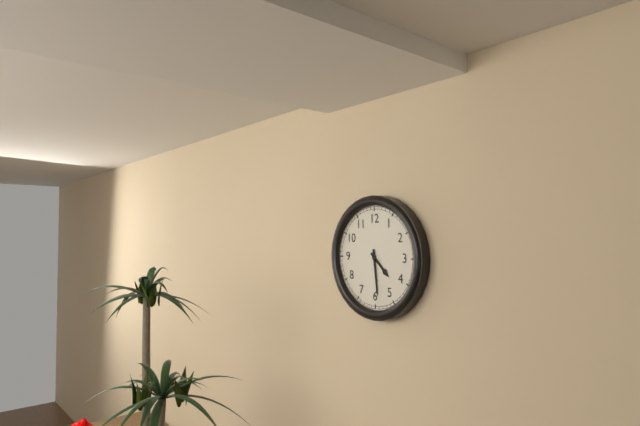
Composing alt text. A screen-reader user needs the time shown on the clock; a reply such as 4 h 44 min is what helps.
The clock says 4 h 29 min
